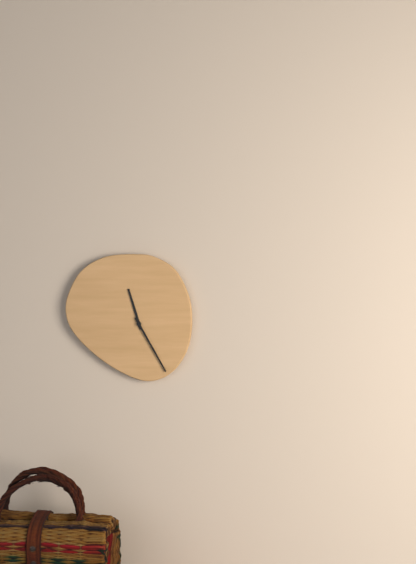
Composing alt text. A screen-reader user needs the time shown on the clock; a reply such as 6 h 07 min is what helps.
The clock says 11 h 25 min
